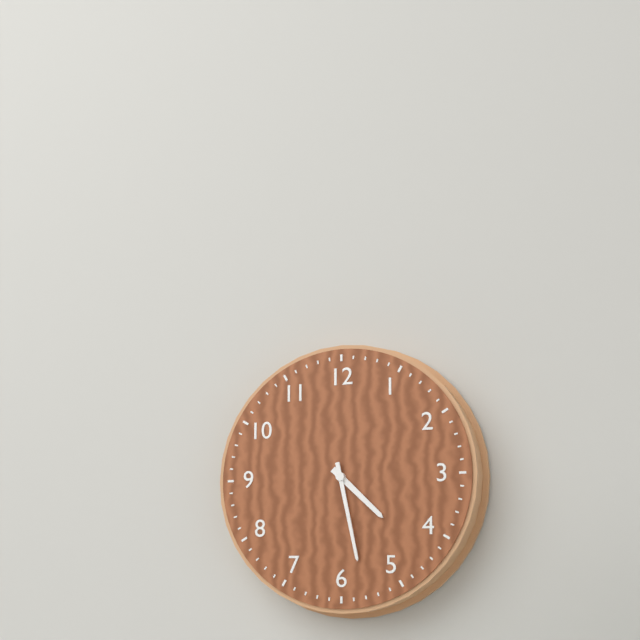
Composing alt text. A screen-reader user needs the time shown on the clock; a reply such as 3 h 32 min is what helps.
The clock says 4 h 28 min
